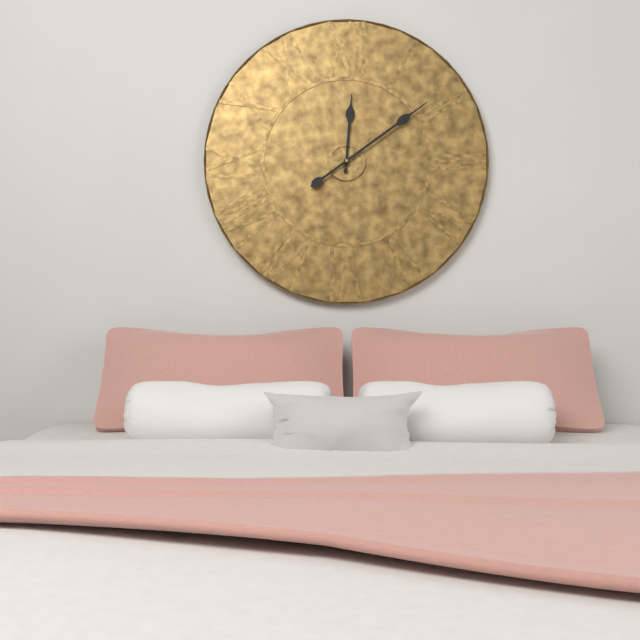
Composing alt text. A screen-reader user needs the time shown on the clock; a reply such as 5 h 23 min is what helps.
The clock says 12 h 09 min
